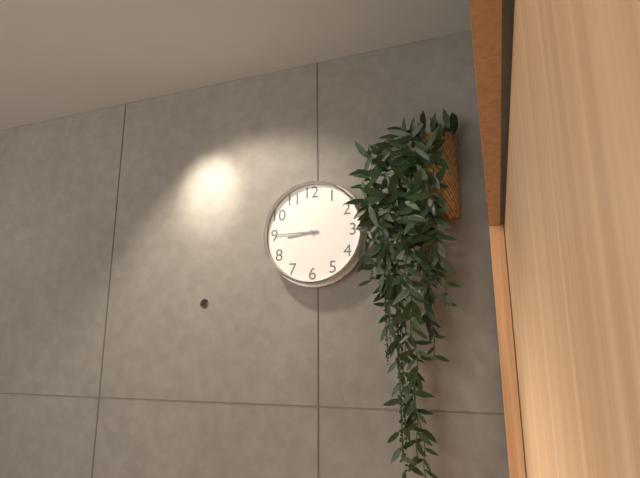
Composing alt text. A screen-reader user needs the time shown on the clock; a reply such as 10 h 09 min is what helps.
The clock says 8 h 45 min
